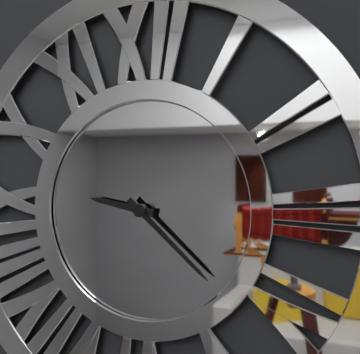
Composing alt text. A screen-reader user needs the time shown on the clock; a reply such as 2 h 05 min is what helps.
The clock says 9 h 22 min
